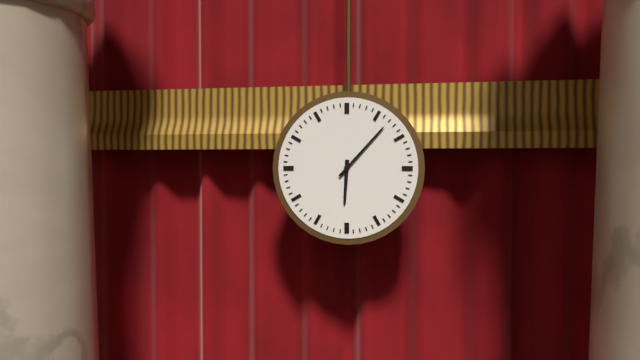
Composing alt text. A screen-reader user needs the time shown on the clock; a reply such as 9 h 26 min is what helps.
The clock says 6 h 07 min
